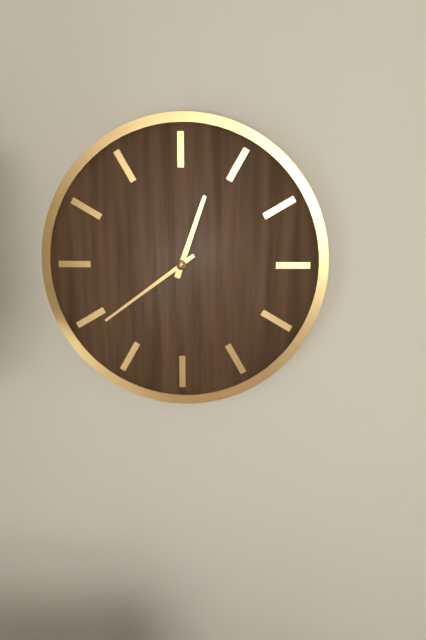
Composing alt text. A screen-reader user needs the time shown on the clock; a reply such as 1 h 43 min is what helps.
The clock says 12 h 39 min
